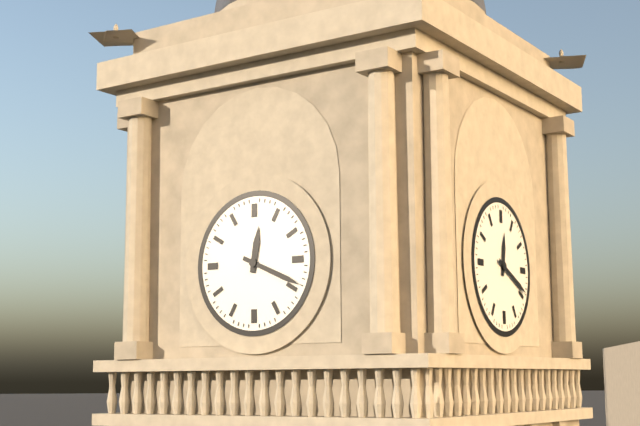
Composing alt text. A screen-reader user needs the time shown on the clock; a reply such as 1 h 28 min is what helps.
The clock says 12 h 19 min
